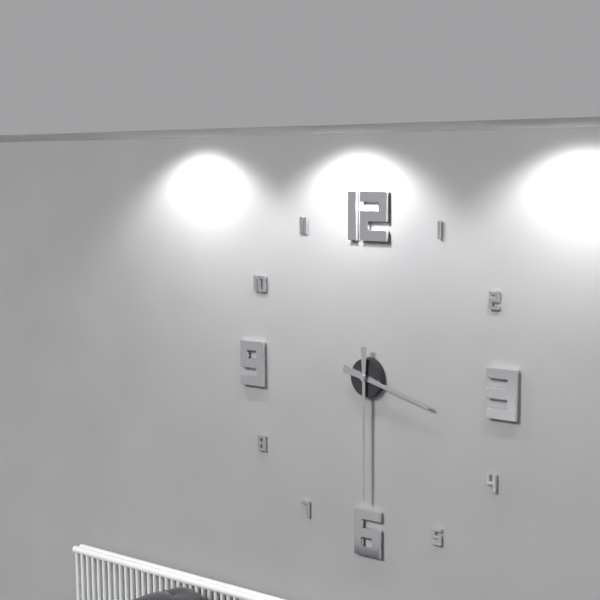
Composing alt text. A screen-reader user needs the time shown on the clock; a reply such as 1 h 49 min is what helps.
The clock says 3 h 30 min
